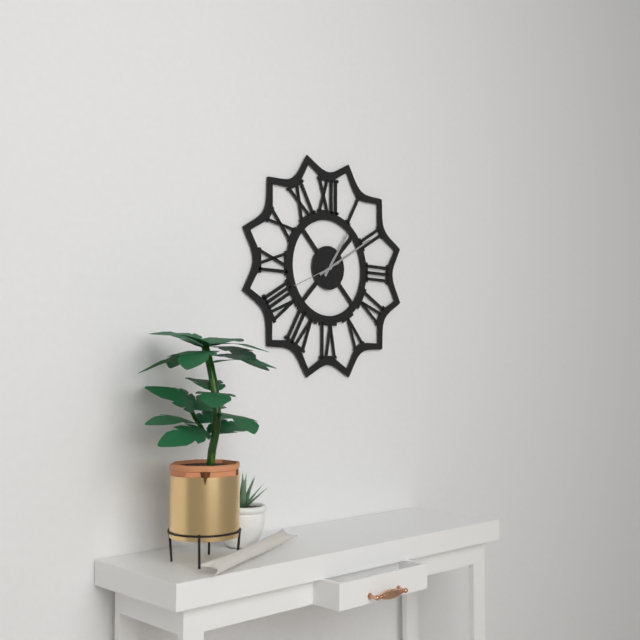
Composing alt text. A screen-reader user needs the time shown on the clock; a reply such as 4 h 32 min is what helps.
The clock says 1 h 10 min
